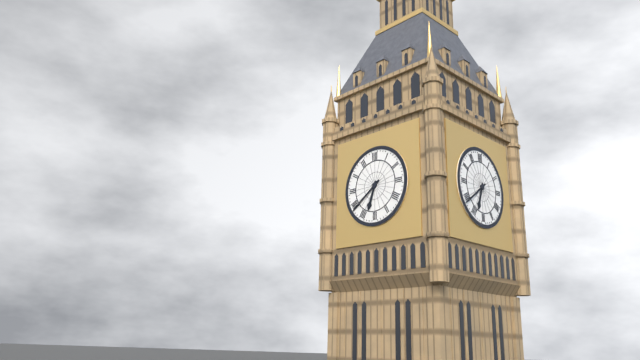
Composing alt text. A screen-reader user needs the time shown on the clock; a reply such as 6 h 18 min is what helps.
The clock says 6 h 39 min
